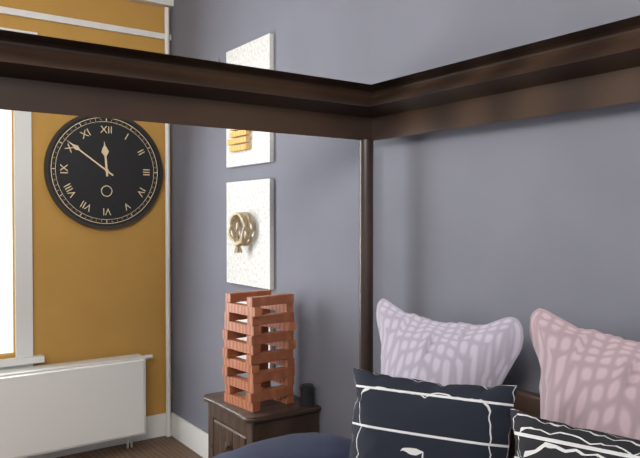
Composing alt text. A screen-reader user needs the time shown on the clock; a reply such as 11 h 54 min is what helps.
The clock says 11 h 51 min
